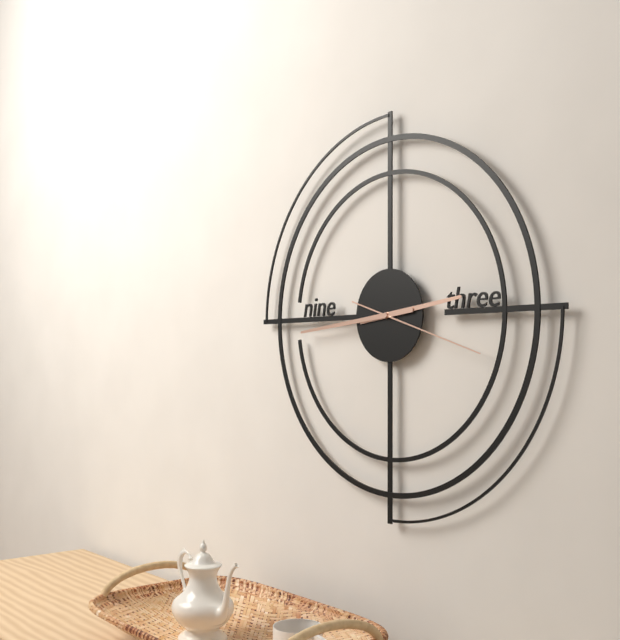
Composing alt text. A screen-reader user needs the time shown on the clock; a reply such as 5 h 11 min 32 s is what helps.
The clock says 2 h 44 min 18 s
